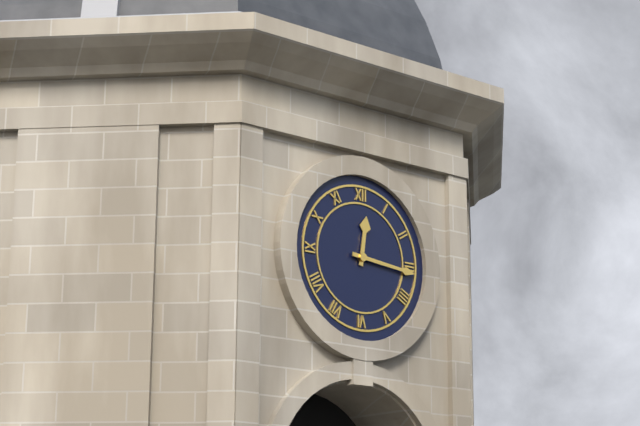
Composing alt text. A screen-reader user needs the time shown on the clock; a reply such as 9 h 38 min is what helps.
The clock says 12 h 16 min
